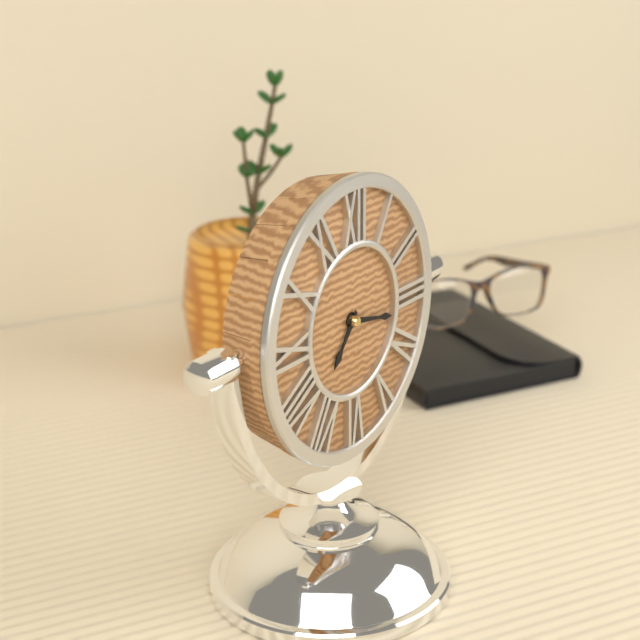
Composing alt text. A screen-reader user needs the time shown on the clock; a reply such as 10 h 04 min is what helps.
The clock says 7 h 17 min
